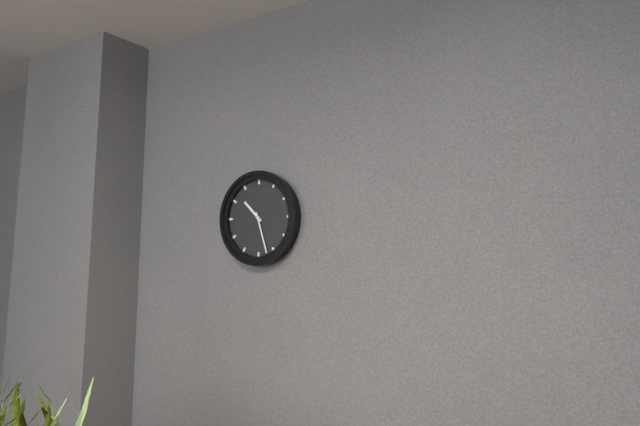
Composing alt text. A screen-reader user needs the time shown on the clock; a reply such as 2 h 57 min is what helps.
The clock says 10 h 27 min
